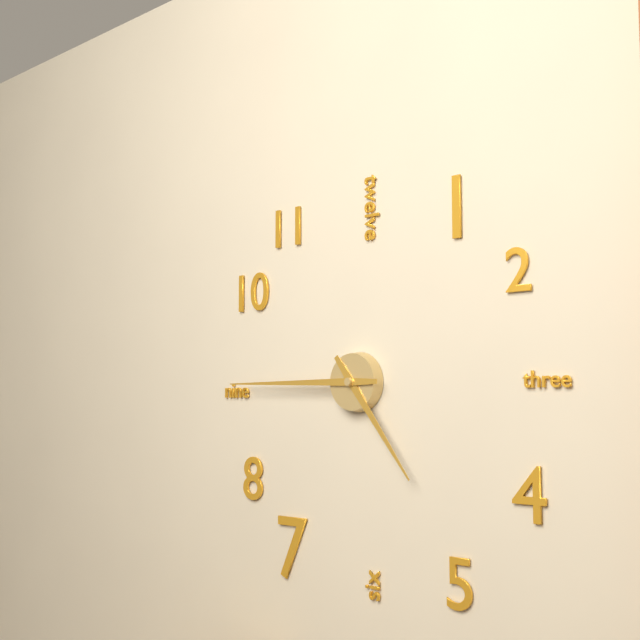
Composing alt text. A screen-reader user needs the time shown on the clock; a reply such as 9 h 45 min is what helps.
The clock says 4 h 45 min
